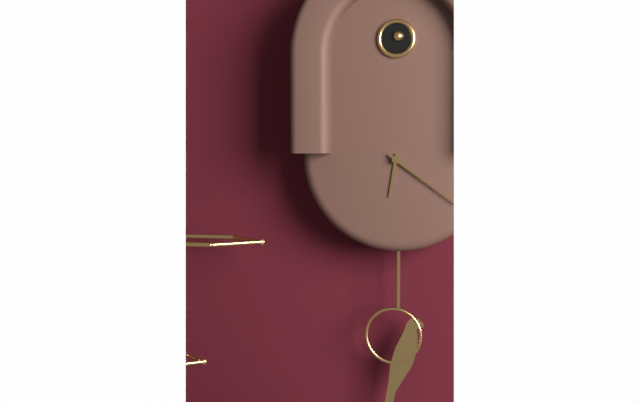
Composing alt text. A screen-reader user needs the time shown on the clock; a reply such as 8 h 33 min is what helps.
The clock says 6 h 21 min
